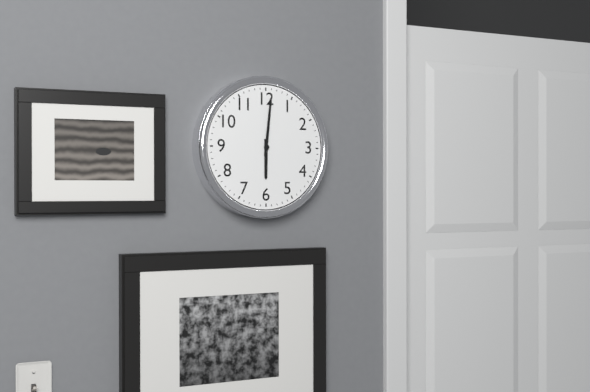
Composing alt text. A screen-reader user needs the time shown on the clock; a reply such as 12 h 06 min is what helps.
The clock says 6 h 01 min
